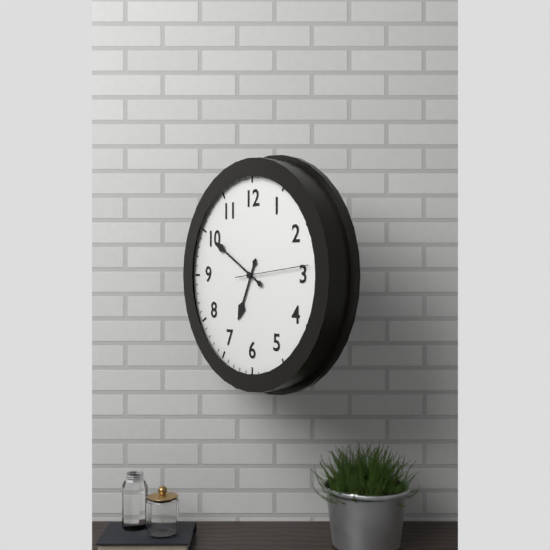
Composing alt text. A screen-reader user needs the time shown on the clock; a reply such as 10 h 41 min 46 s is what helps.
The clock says 6 h 50 min 14 s
